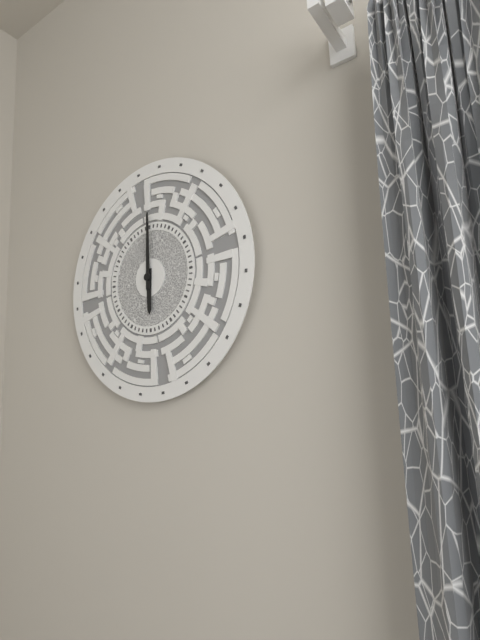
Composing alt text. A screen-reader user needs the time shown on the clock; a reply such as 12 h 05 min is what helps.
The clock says 6 h 00 min
